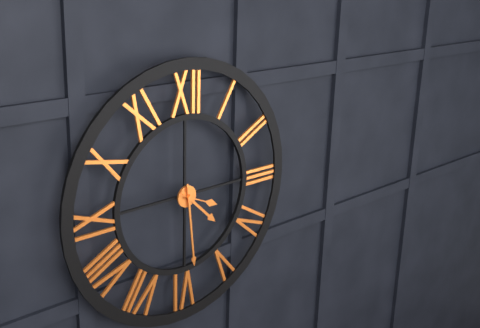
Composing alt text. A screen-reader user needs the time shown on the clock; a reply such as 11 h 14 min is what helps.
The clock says 4 h 29 min
